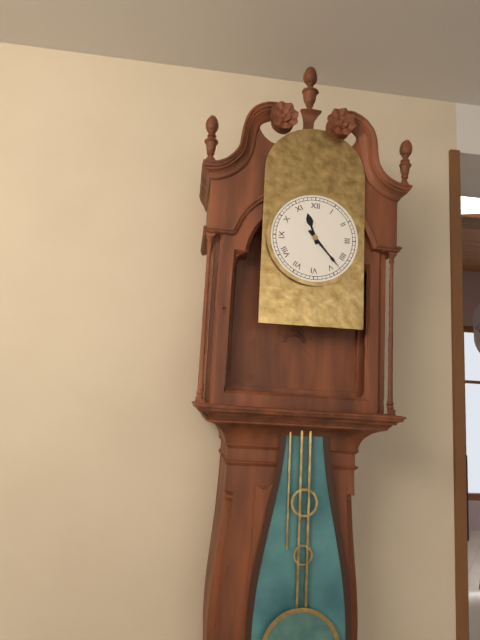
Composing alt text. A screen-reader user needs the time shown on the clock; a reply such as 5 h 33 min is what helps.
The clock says 11 h 23 min
